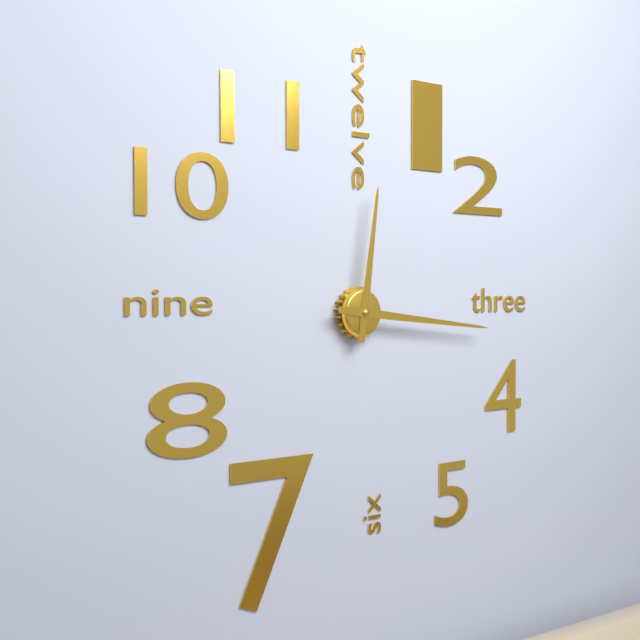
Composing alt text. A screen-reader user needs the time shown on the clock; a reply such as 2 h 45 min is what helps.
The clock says 12 h 16 min
